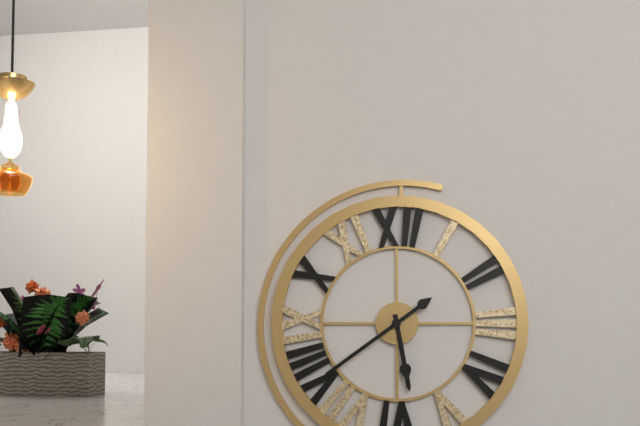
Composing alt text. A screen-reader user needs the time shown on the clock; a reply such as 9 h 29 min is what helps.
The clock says 5 h 39 min
